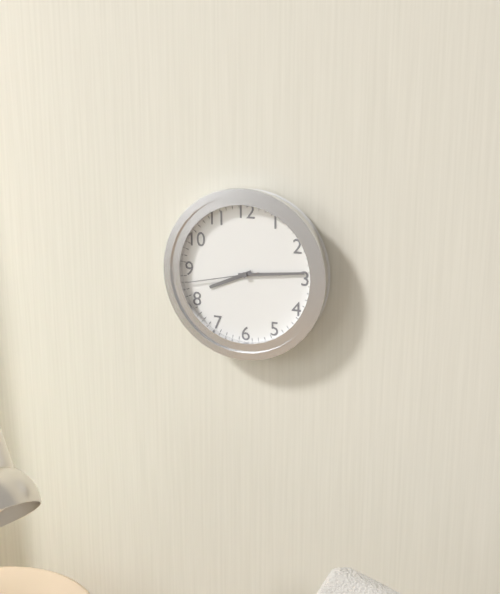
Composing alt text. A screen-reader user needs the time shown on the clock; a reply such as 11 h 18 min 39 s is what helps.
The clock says 8 h 14 min 43 s
